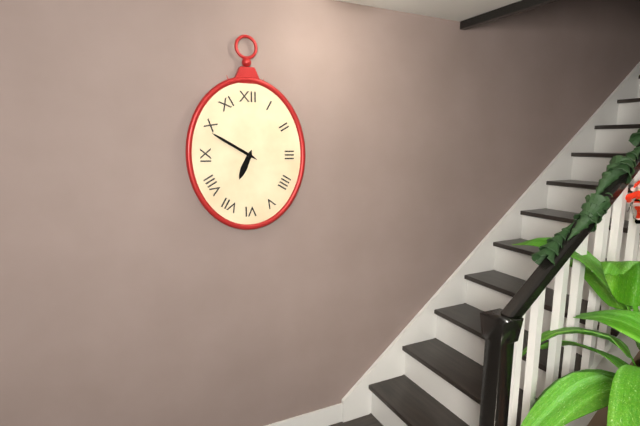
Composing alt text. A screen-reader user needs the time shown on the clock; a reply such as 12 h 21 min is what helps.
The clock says 6 h 50 min
